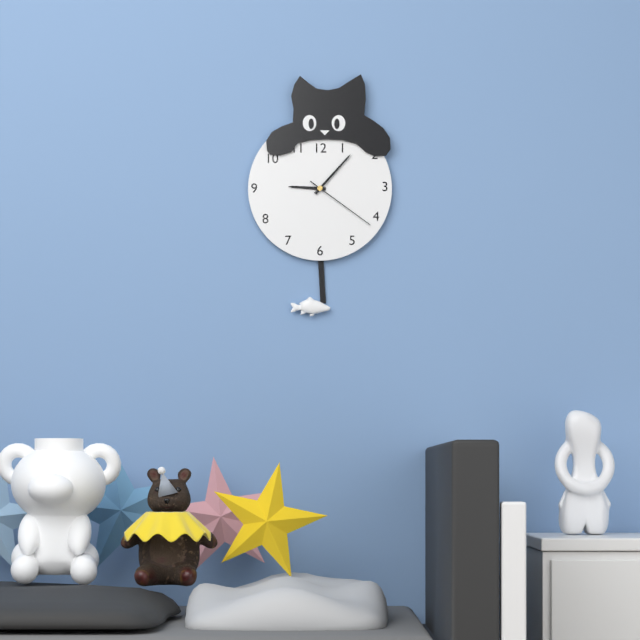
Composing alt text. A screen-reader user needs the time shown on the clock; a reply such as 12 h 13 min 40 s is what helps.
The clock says 9 h 07 min 21 s
